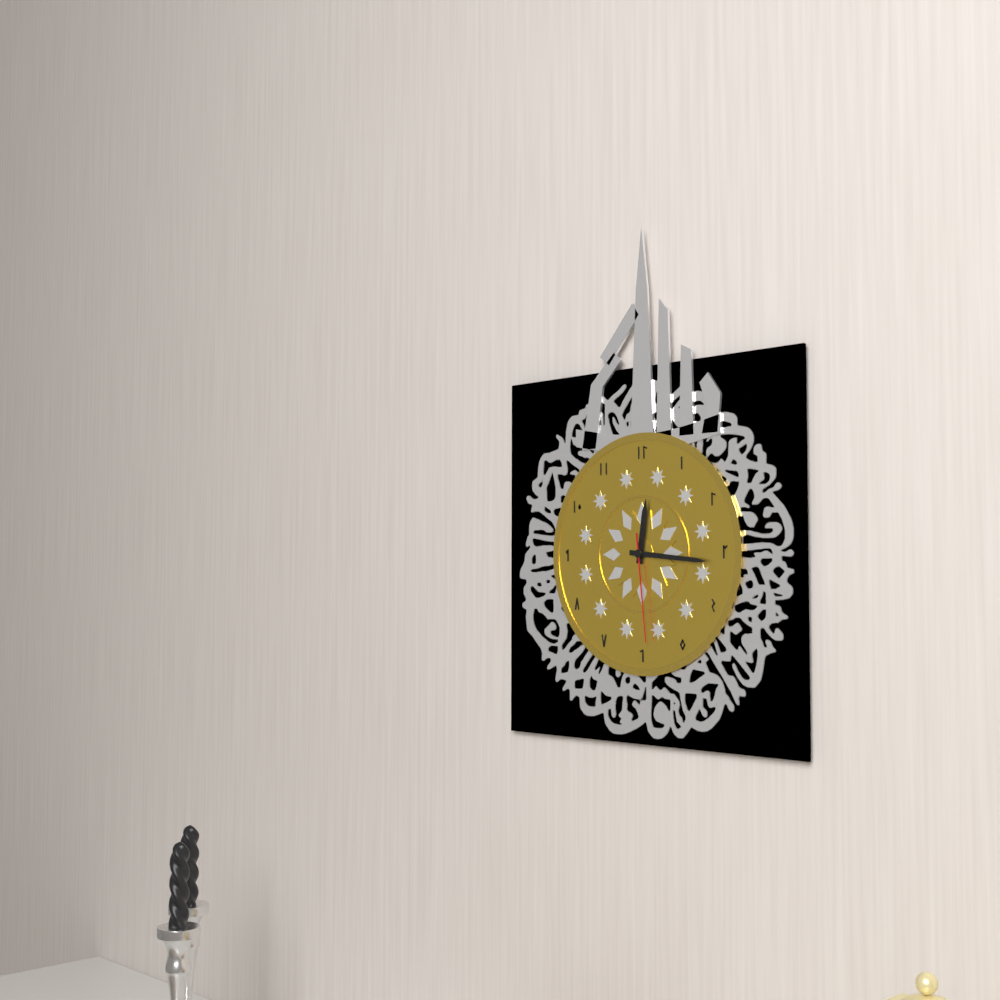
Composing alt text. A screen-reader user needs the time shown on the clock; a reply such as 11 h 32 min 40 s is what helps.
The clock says 12 h 16 min 29 s
